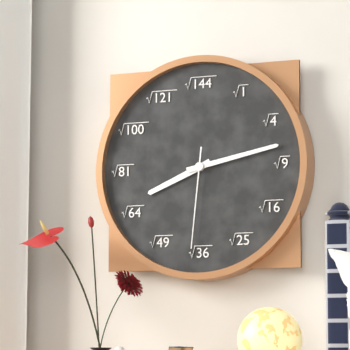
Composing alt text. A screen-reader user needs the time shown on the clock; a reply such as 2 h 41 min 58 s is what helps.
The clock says 8 h 13 min 31 s
